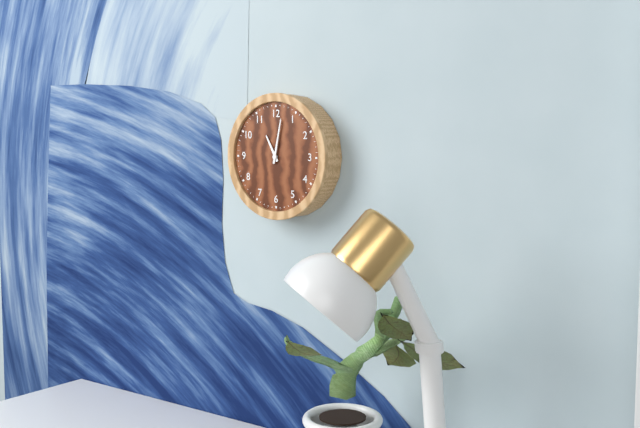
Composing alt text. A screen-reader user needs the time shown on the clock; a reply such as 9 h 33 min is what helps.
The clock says 11 h 02 min
